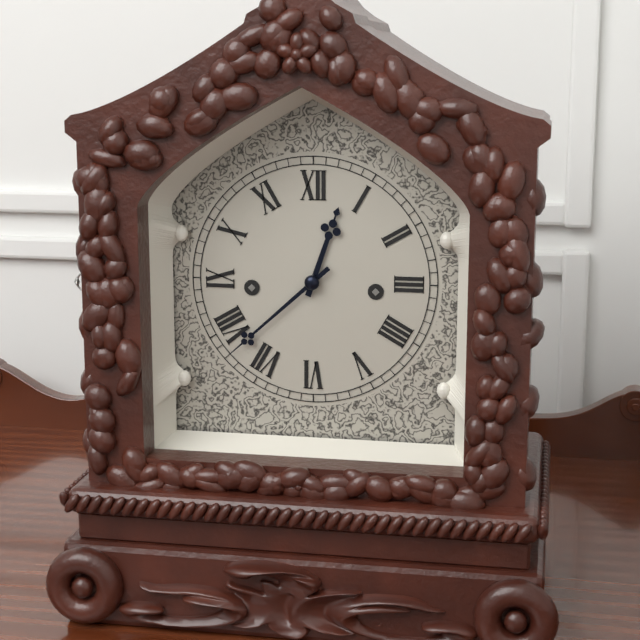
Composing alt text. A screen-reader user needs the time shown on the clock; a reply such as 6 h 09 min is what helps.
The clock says 12 h 38 min
